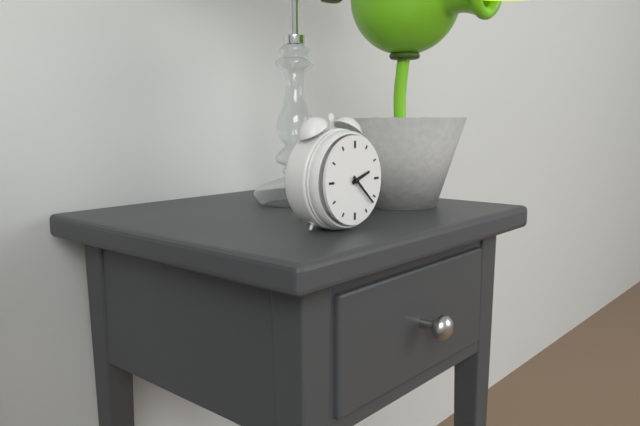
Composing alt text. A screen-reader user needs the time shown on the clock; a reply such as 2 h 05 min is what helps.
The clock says 2 h 22 min
